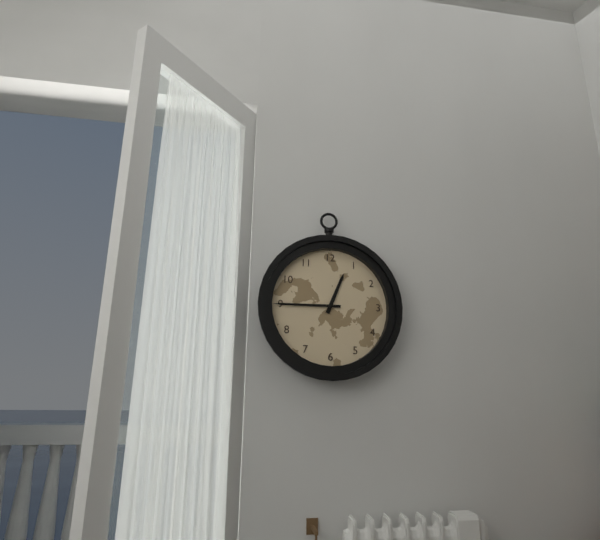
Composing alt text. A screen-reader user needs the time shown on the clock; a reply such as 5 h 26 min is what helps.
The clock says 12 h 45 min
